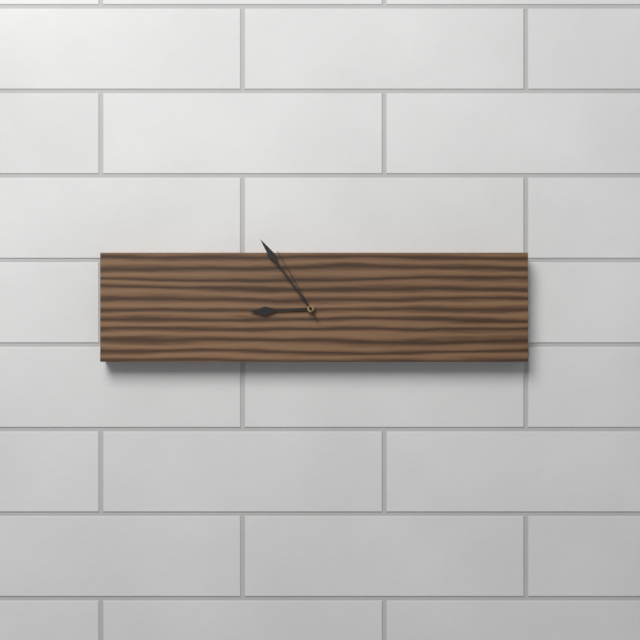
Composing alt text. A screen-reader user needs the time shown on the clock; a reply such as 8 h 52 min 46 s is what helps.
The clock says 8 h 54 min 55 s
